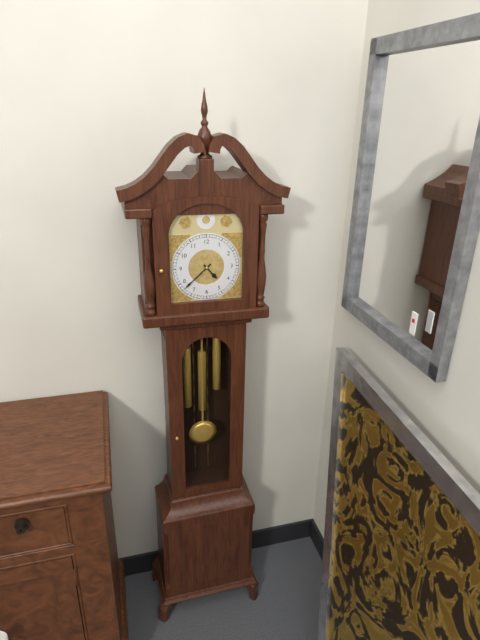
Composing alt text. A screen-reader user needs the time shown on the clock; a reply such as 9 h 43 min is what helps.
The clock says 4 h 38 min
